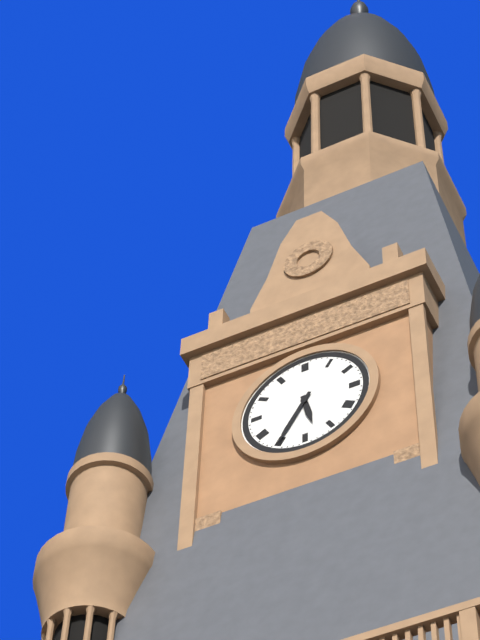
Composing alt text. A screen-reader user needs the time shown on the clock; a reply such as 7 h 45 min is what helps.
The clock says 5 h 35 min
